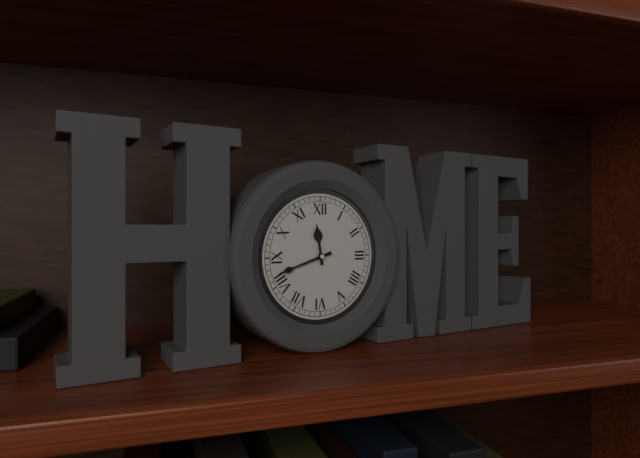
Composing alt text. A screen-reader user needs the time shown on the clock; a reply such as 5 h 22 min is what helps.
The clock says 11 h 42 min
